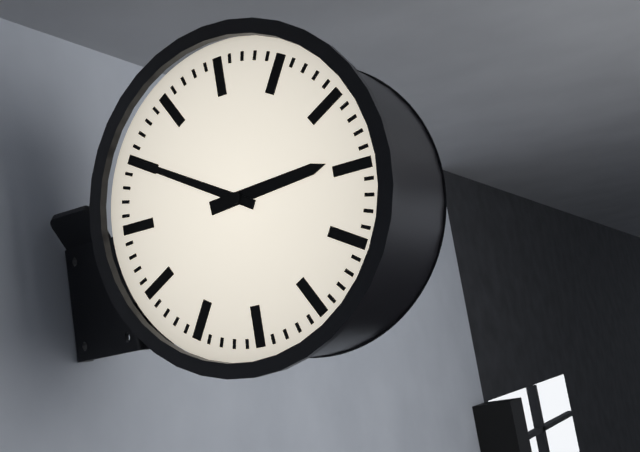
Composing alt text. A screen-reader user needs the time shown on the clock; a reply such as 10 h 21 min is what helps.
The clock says 2 h 50 min
